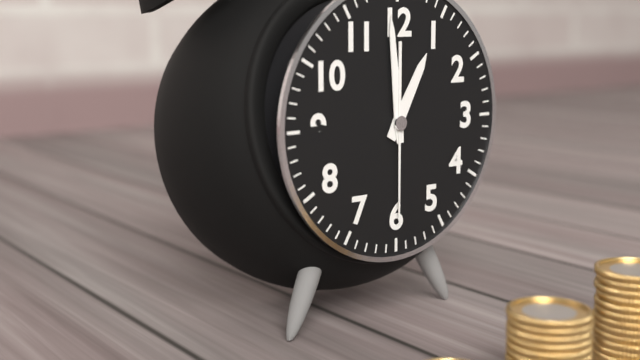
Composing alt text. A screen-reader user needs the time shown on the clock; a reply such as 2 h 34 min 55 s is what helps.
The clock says 12 h 59 min 30 s
